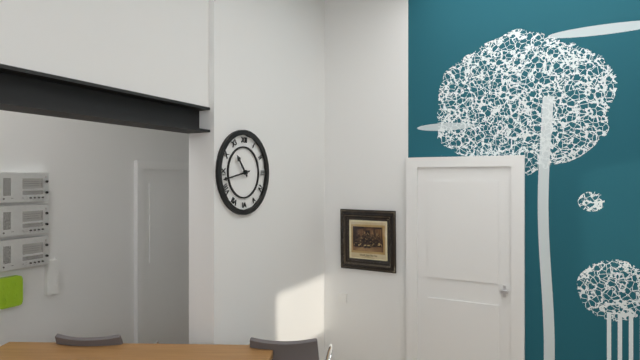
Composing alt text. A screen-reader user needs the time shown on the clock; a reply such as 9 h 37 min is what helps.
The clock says 10 h 43 min
